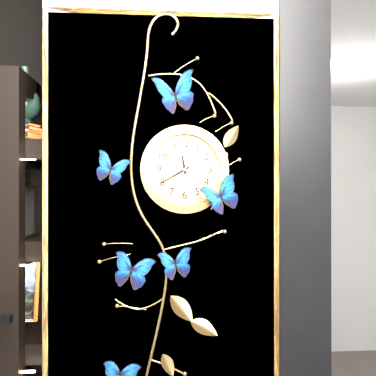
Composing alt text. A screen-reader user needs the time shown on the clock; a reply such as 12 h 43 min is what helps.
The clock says 11 h 40 min
